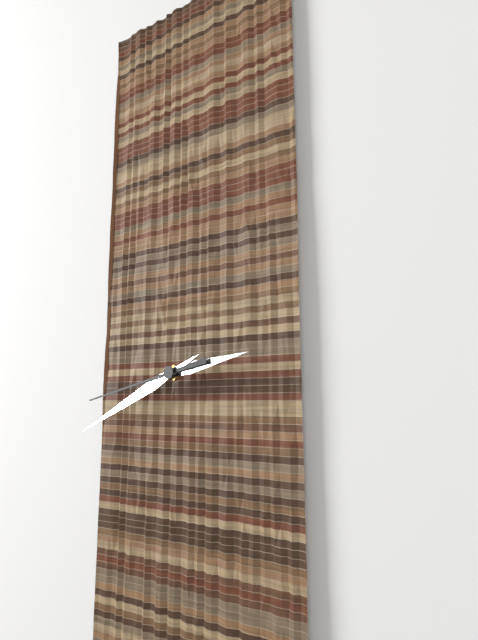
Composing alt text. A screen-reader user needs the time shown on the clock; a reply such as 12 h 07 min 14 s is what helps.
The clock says 2 h 41 min 43 s
